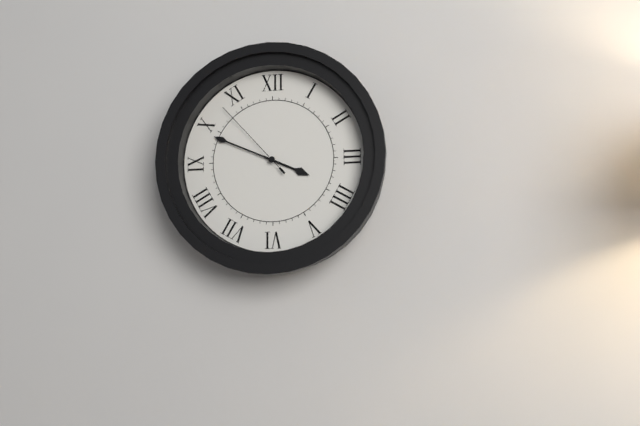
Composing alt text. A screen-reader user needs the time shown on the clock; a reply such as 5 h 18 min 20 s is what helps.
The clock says 3 h 49 min 53 s
